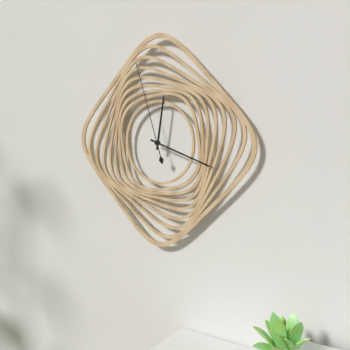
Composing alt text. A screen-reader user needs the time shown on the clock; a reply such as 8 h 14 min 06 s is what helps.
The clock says 12 h 18 min 57 s
